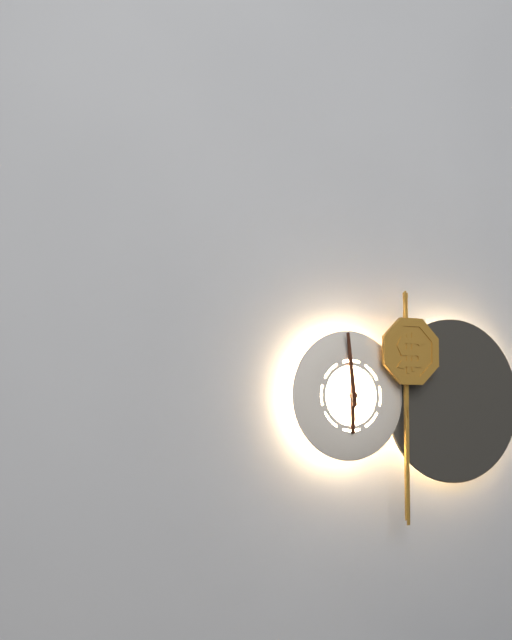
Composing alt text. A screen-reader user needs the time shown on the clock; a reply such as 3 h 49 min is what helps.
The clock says 5 h 59 min
